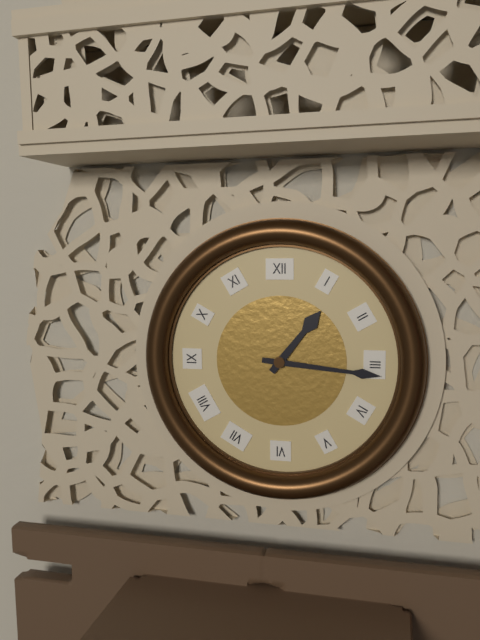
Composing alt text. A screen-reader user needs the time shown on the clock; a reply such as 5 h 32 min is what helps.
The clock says 1 h 16 min
